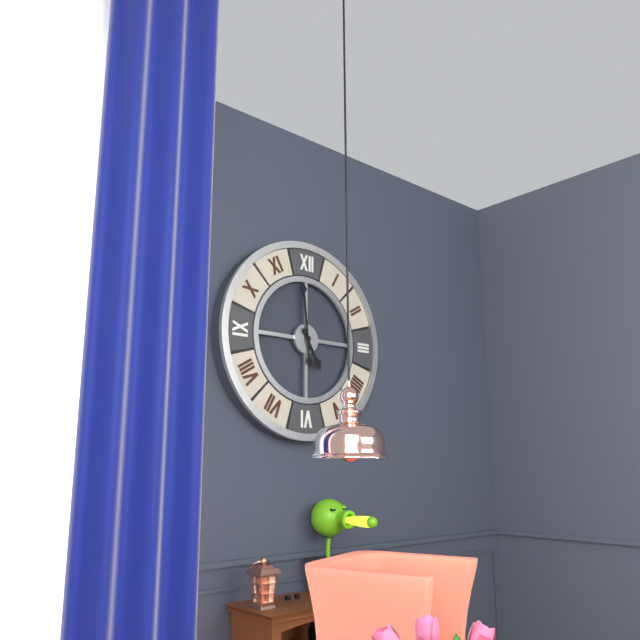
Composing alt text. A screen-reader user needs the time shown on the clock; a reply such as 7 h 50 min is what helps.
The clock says 4 h 59 min
